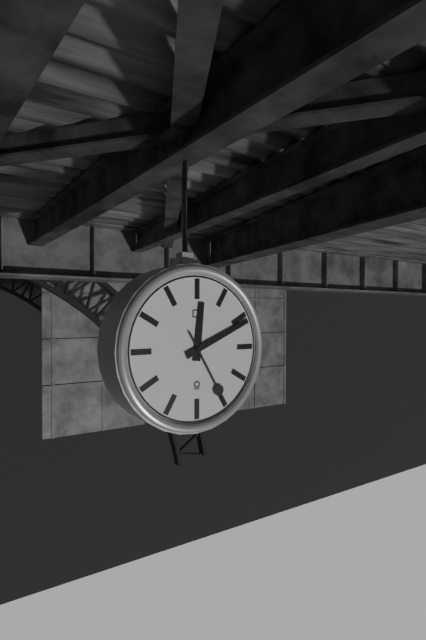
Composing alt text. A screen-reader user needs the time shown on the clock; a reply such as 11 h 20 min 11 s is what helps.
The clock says 12 h 11 min 25 s
